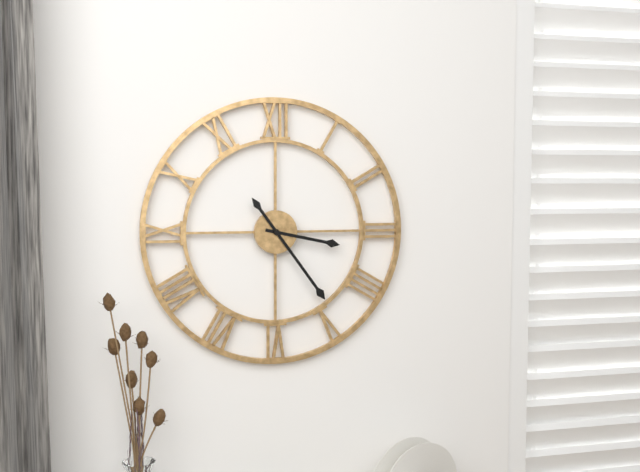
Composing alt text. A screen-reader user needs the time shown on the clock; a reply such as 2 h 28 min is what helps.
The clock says 3 h 24 min
